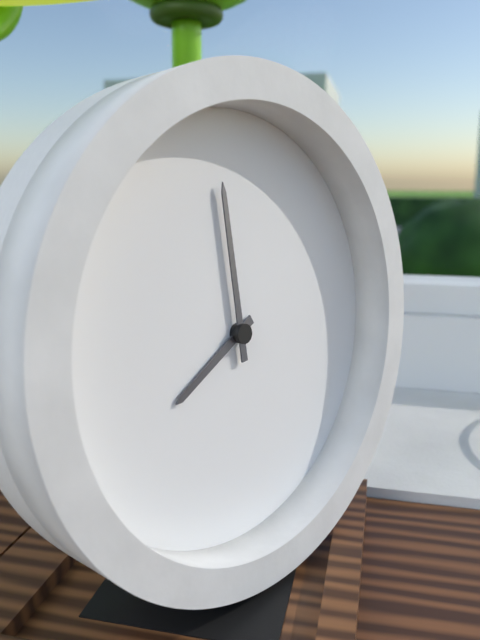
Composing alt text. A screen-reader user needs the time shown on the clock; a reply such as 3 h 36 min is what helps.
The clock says 7 h 59 min
